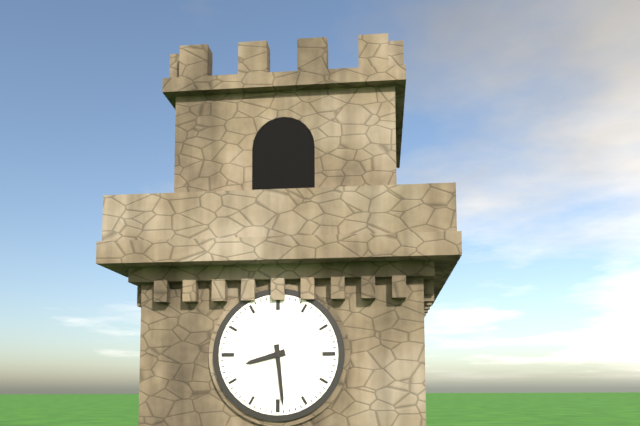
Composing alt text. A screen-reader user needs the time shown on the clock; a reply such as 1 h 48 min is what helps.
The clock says 8 h 29 min
